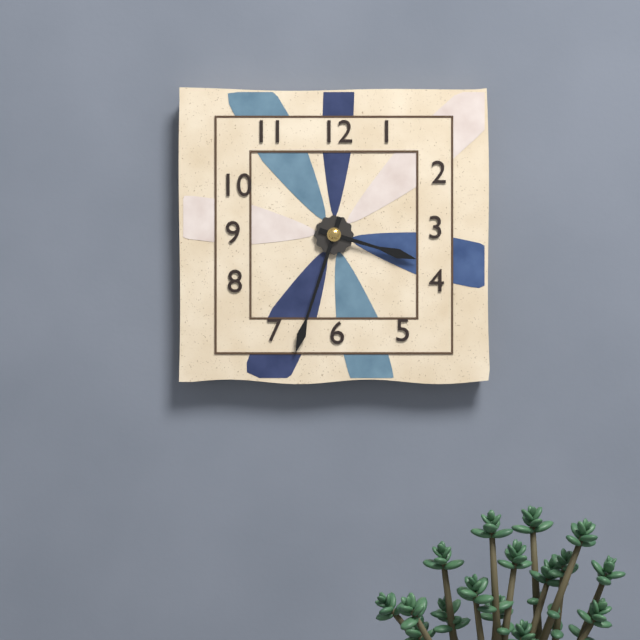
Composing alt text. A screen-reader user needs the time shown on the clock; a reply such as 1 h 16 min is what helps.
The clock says 3 h 33 min
